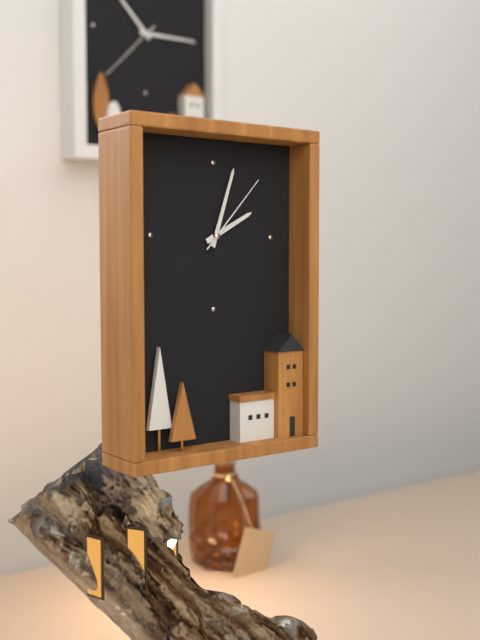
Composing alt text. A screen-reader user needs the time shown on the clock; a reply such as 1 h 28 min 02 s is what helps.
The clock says 2 h 03 min 07 s
